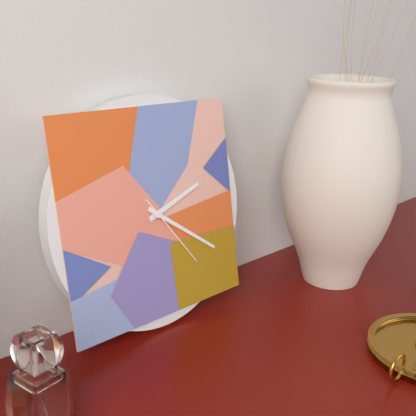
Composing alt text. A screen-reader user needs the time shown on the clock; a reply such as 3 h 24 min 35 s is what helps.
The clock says 2 h 21 min 24 s
